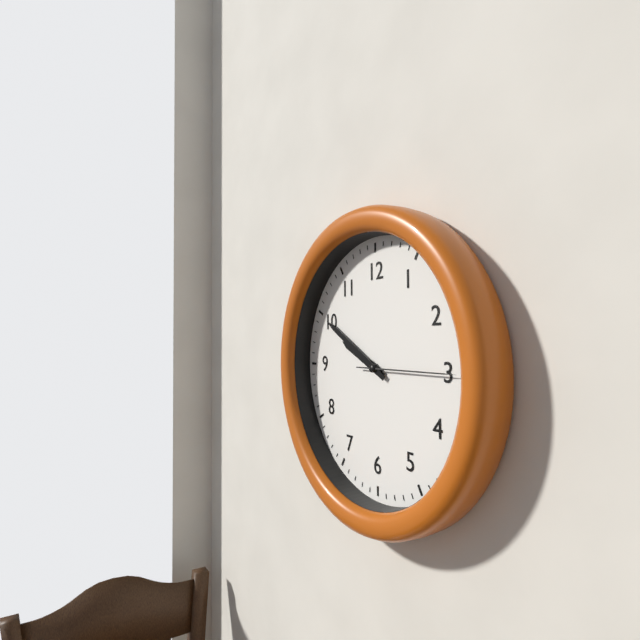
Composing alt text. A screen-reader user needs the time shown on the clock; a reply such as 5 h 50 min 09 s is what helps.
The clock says 9 h 50 min 15 s
